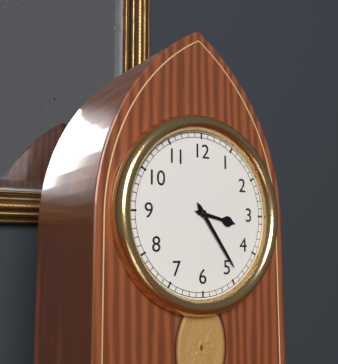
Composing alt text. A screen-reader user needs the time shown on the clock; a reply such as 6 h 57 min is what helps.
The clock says 3 h 24 min
